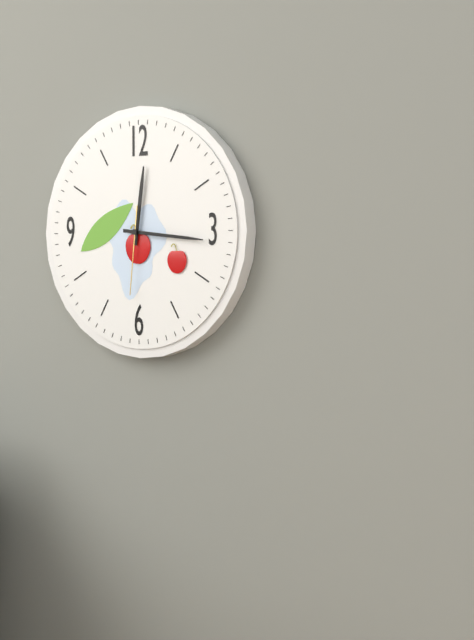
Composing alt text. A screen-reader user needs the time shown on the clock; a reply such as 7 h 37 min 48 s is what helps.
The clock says 12 h 16 min 31 s
